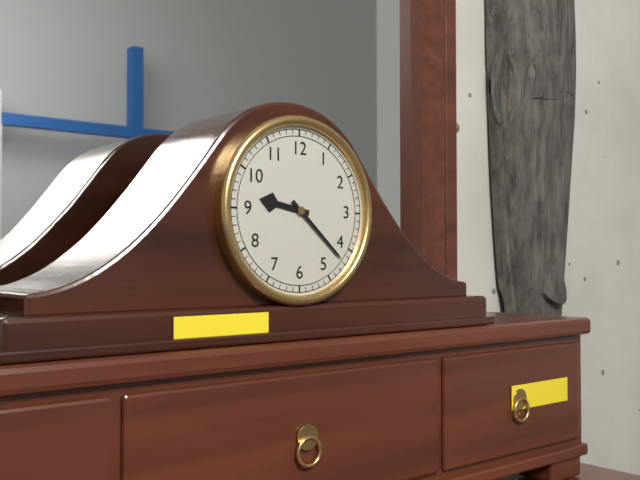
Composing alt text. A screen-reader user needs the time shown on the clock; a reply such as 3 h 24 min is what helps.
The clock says 9 h 22 min
